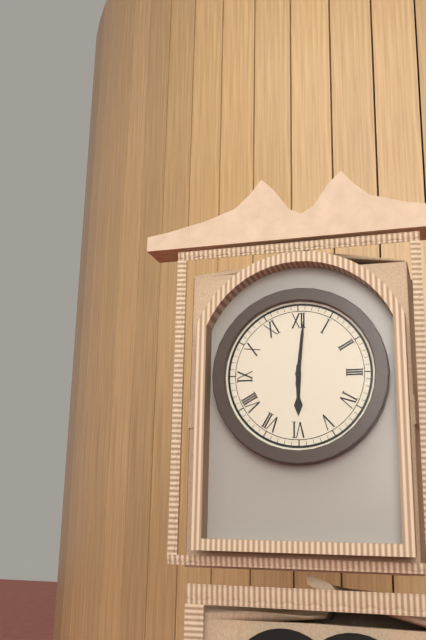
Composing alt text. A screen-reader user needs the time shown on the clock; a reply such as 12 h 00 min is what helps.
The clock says 6 h 01 min
